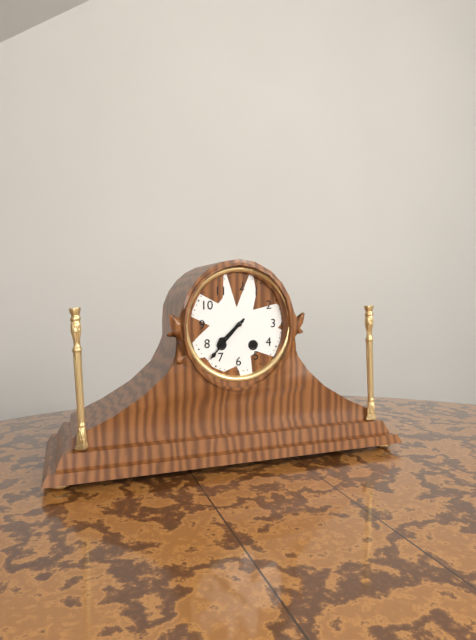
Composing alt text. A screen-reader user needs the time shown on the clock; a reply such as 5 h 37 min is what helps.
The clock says 7 h 37 min
